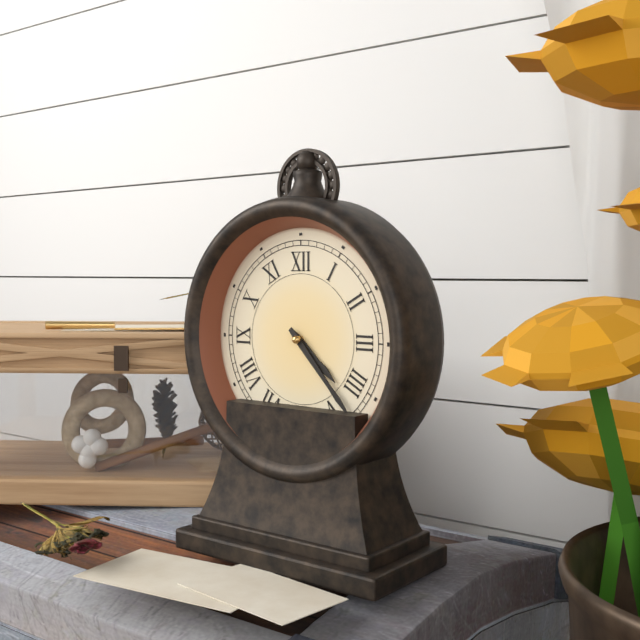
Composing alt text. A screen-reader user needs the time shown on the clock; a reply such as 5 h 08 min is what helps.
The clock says 4 h 23 min
